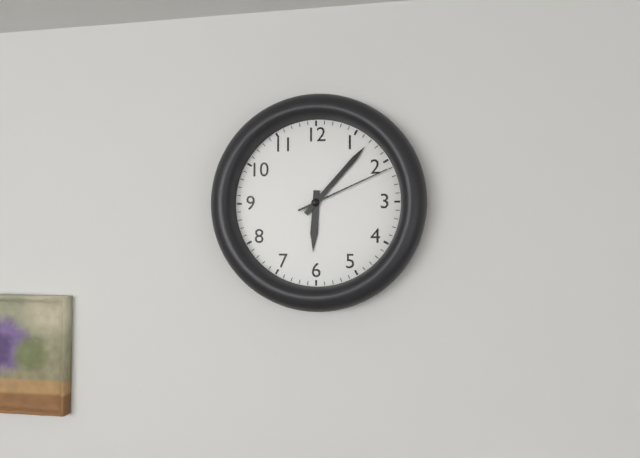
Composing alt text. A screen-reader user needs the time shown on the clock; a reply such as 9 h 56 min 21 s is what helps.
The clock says 6 h 07 min 11 s
